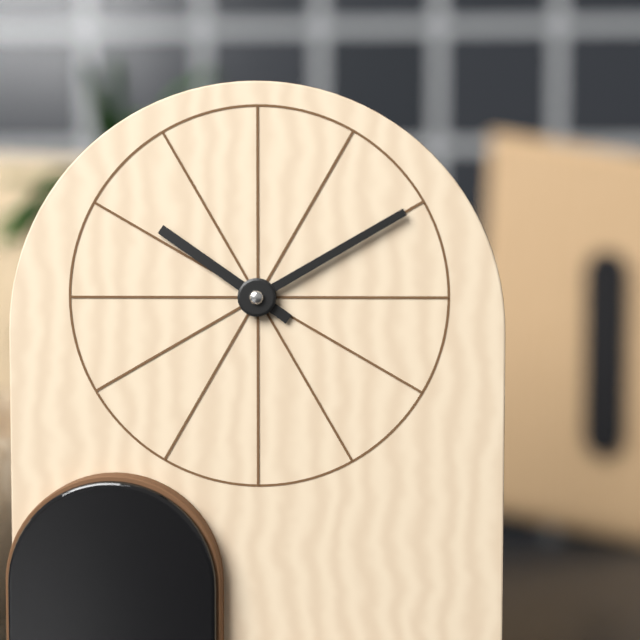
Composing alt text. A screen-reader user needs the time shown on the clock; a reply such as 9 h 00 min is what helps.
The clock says 10 h 10 min
